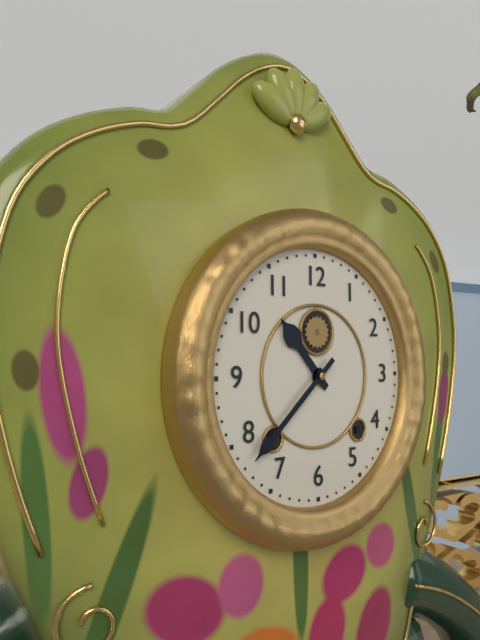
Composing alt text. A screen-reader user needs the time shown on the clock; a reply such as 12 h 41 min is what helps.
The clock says 10 h 38 min
